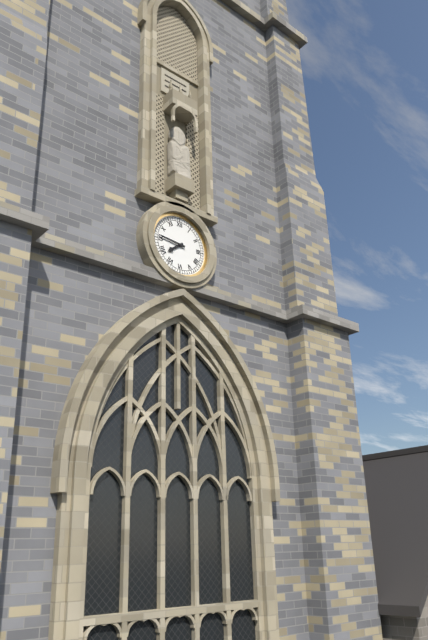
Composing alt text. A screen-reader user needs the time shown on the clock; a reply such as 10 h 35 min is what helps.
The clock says 7 h 46 min
